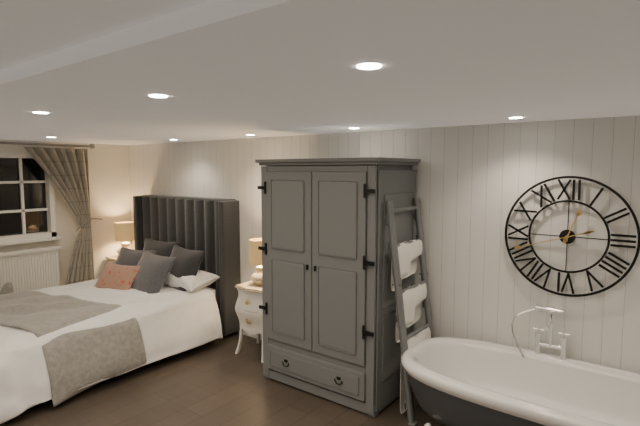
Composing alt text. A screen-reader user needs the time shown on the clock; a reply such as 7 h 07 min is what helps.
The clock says 12 h 42 min
